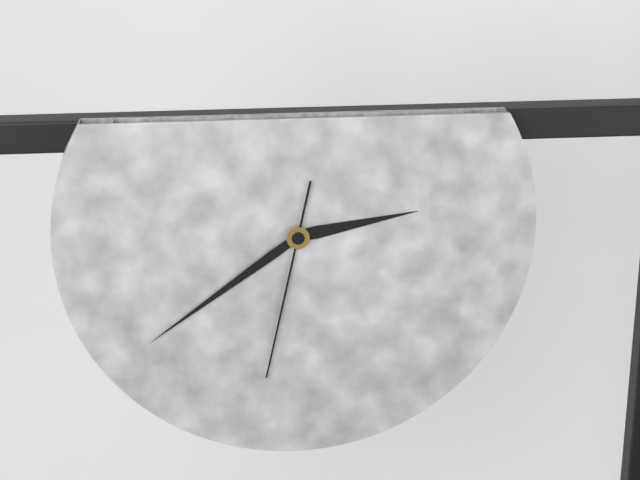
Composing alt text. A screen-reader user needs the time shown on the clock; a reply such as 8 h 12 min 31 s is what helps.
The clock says 2 h 39 min 32 s
